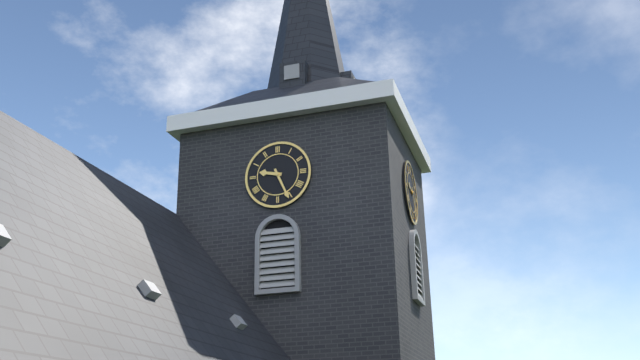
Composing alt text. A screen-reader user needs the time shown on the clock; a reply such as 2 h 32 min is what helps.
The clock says 9 h 26 min
